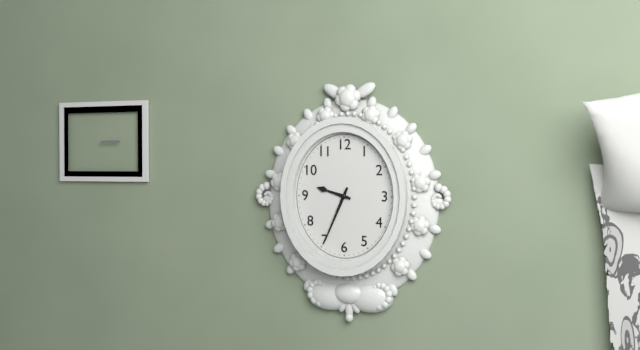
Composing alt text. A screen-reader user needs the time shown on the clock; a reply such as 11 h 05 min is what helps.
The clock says 9 h 34 min
